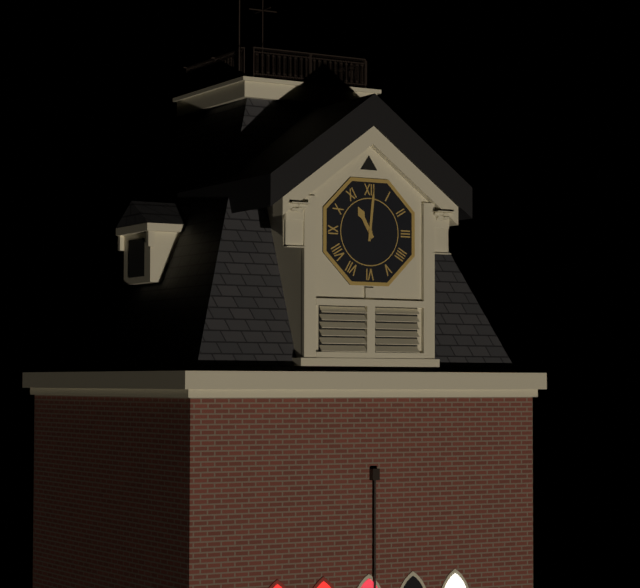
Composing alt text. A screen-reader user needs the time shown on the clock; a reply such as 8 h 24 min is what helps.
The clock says 11 h 01 min
